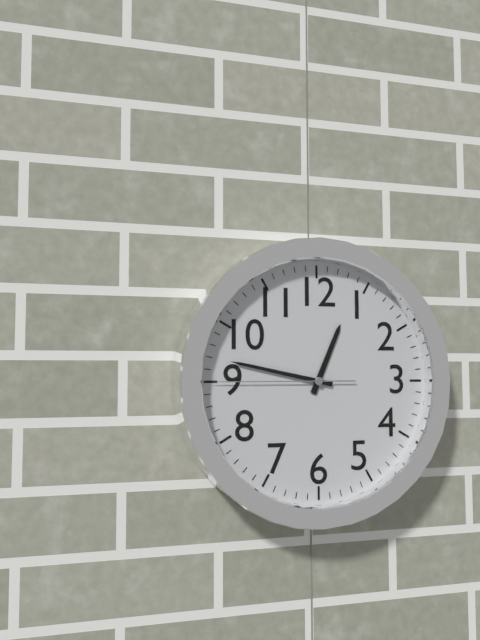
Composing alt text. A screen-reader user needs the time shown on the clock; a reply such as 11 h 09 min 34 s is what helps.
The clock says 12 h 47 min 45 s
